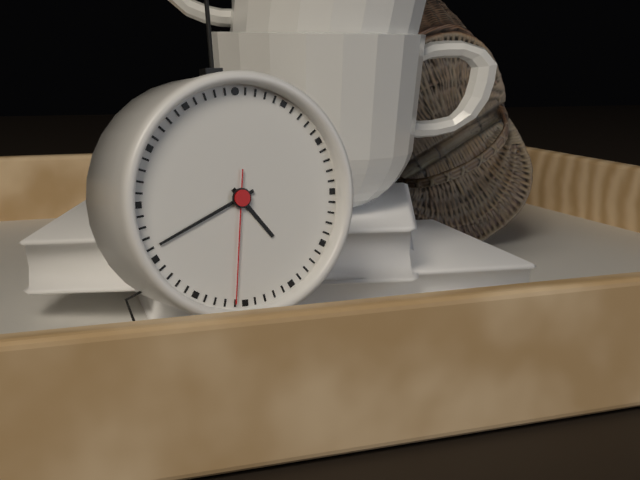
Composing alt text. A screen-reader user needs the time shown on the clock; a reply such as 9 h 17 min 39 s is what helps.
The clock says 4 h 41 min 31 s
